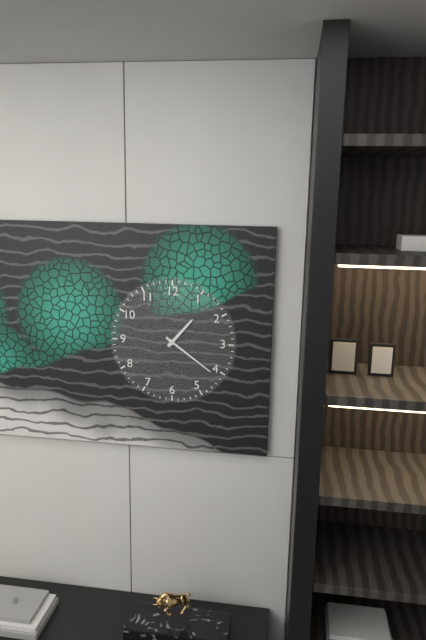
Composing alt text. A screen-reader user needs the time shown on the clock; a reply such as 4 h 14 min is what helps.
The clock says 1 h 21 min
